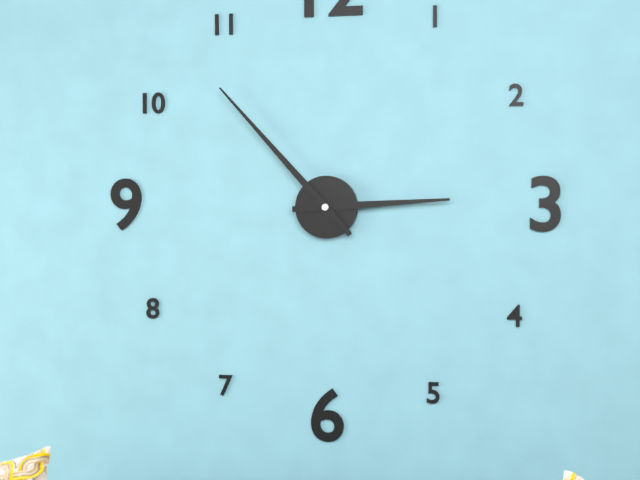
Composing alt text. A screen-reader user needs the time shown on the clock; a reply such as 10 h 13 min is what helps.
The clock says 2 h 53 min
